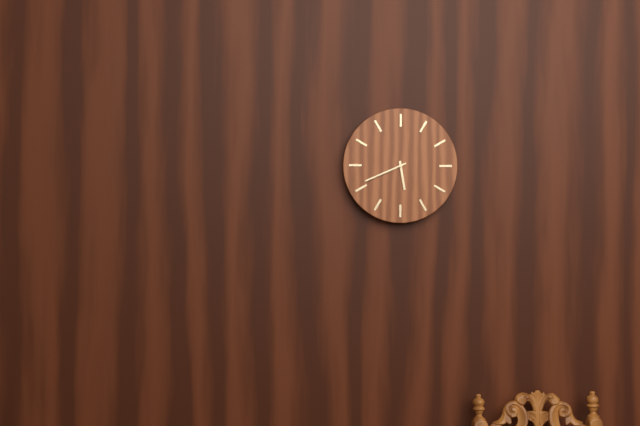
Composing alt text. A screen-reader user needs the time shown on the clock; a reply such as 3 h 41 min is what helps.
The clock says 5 h 41 min
